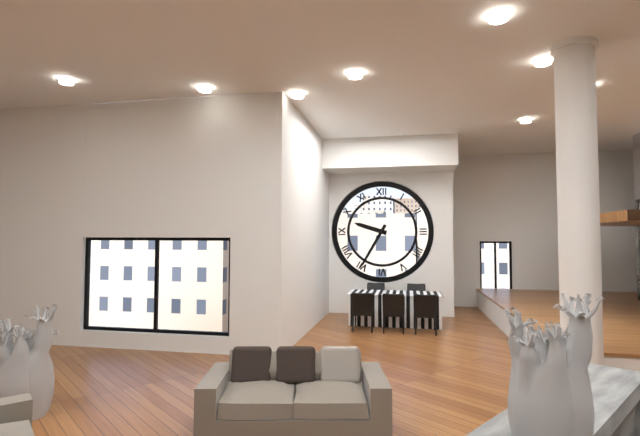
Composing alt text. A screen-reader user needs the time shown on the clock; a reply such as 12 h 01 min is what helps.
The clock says 9 h 35 min
